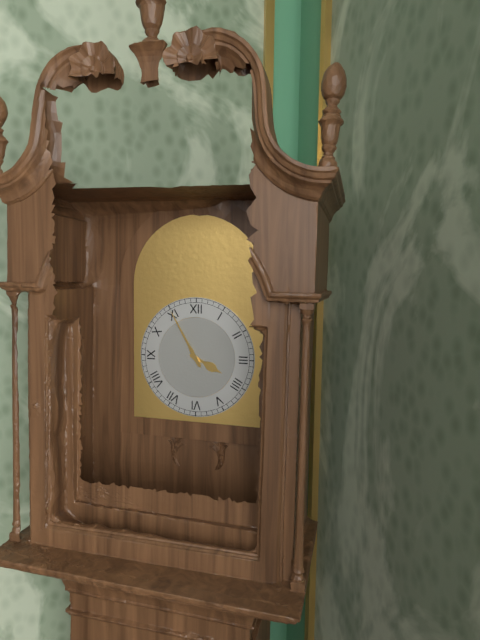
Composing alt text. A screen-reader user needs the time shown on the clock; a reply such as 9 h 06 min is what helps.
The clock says 3 h 55 min
